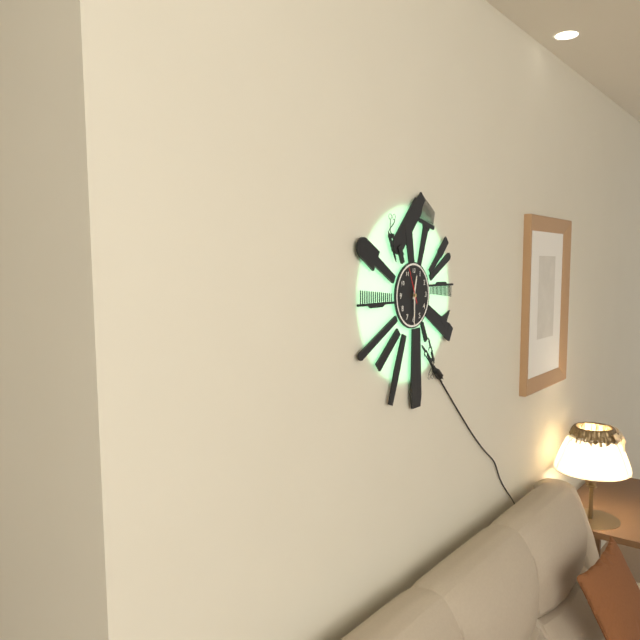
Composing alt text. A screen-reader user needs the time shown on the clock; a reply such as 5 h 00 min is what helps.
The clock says 12 h 30 min
